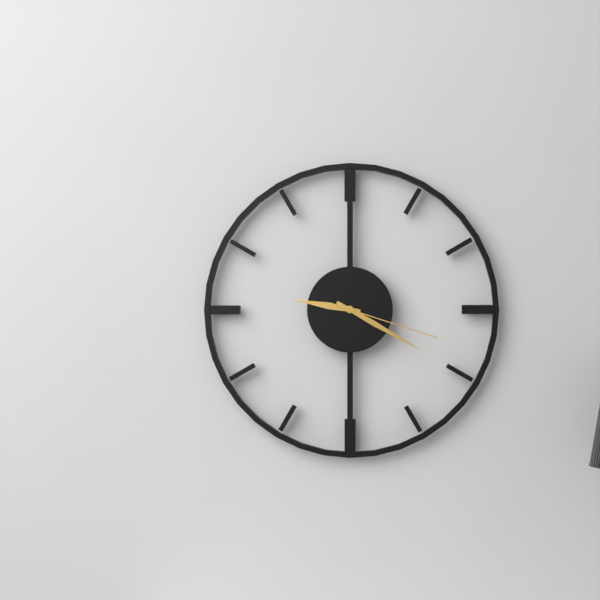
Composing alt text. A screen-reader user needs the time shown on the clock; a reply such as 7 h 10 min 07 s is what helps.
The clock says 9 h 20 min 18 s
